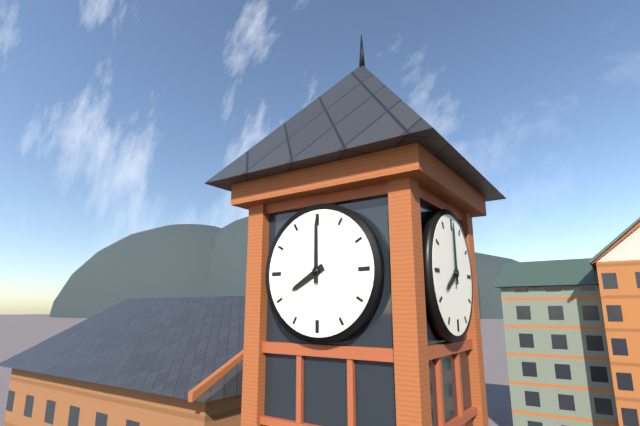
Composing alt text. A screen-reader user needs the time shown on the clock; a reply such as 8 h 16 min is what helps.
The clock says 8 h 00 min
